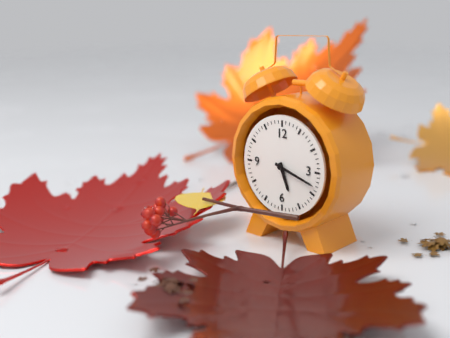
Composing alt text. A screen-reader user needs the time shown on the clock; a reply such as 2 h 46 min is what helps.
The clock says 5 h 18 min
